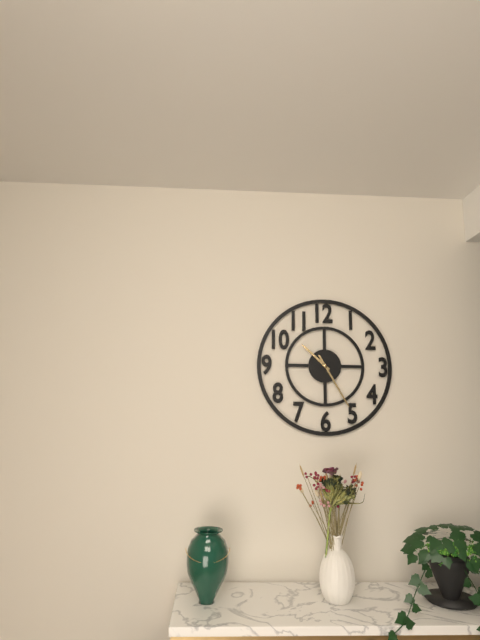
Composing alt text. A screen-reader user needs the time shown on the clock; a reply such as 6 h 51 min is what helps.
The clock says 10 h 25 min
